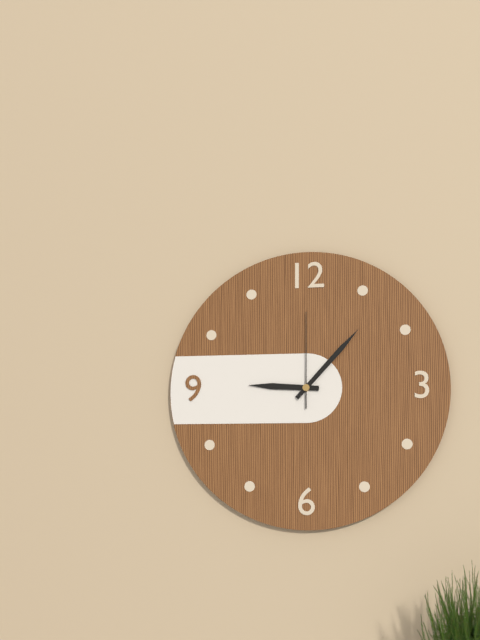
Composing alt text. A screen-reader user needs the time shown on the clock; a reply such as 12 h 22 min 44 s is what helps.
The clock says 9 h 07 min 00 s
